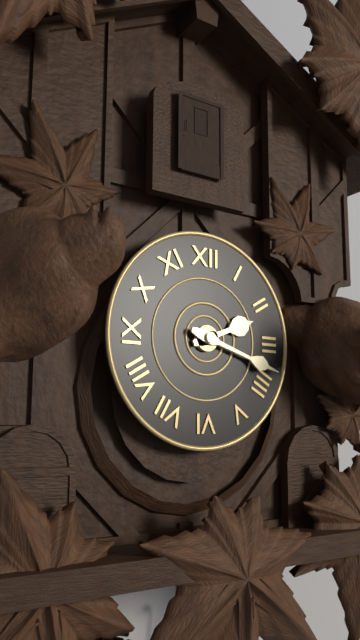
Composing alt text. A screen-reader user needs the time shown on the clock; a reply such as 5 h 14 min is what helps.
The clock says 2 h 18 min
